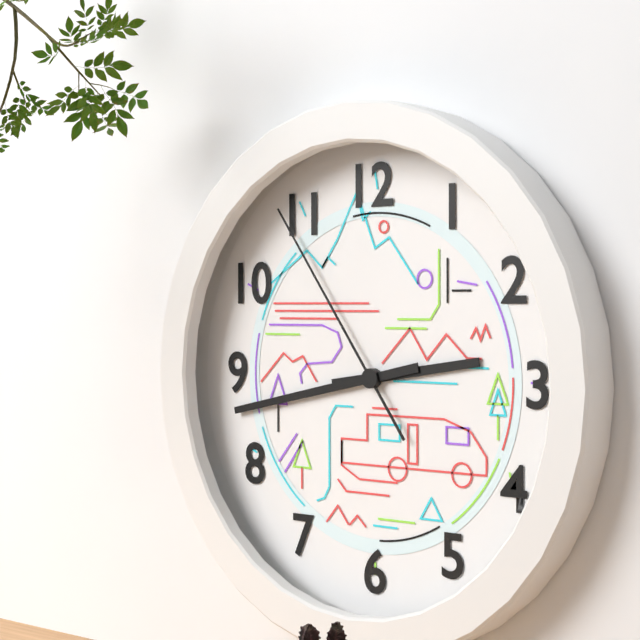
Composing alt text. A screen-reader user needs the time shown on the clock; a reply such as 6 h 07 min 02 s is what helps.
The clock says 2 h 43 min 54 s
